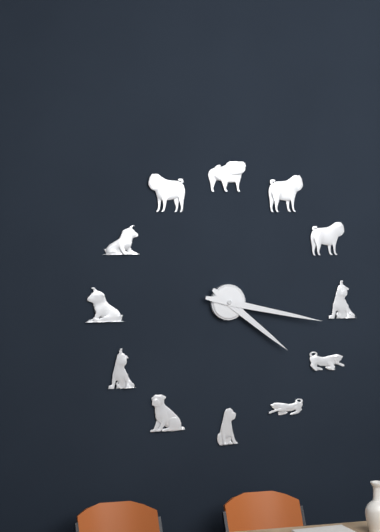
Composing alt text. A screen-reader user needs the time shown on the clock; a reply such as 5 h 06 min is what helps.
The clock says 4 h 17 min
